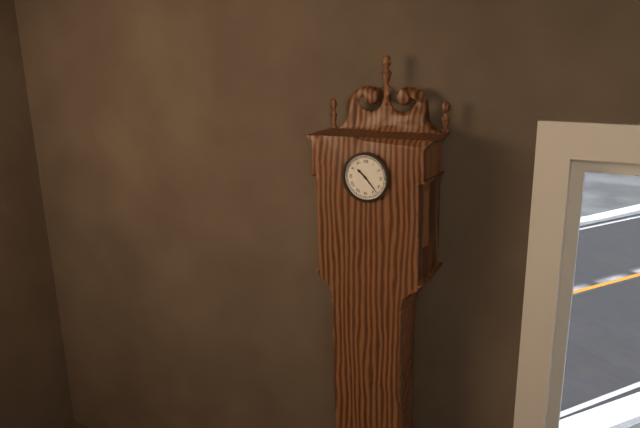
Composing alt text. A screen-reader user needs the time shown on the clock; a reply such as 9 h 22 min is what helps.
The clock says 10 h 23 min
